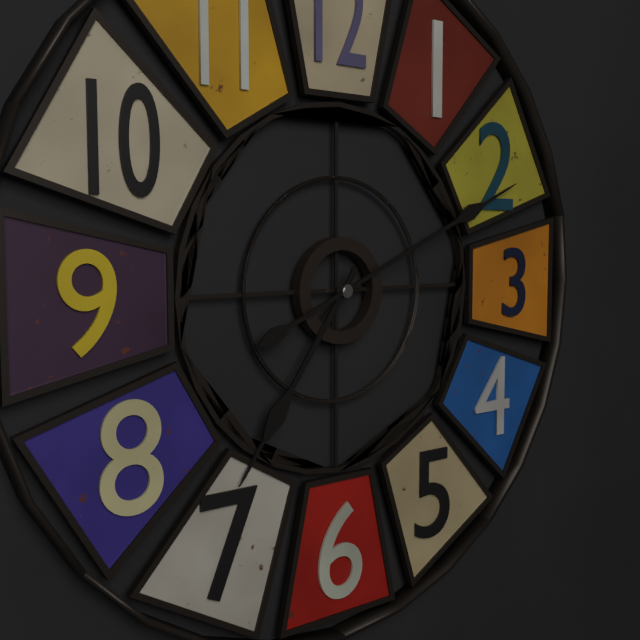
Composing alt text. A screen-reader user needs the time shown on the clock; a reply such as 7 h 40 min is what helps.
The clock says 7 h 11 min
